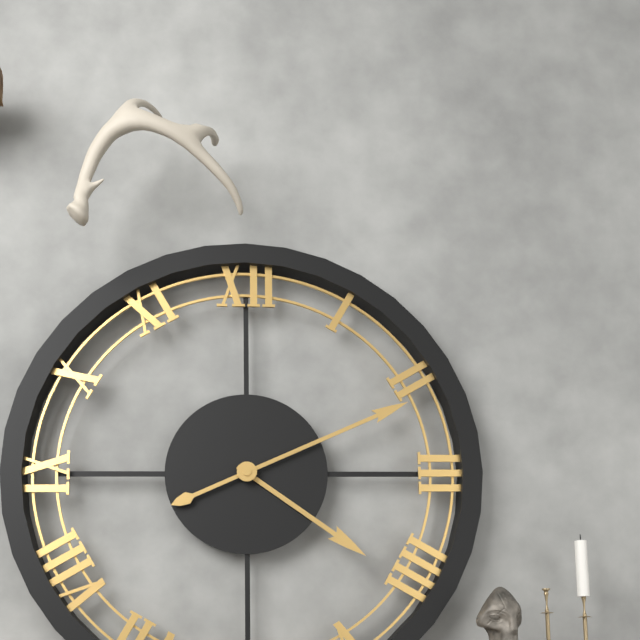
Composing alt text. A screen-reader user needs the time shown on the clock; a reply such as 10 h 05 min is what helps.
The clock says 4 h 11 min
